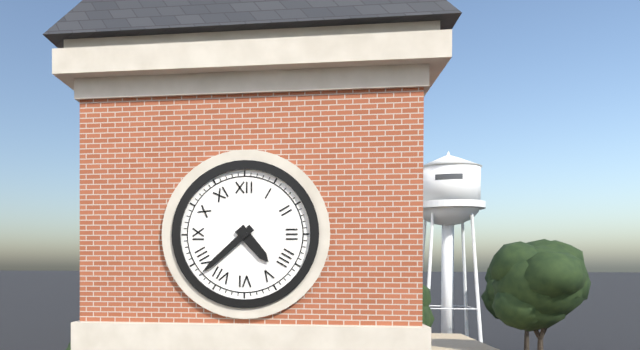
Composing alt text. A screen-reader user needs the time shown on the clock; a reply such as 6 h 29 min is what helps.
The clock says 4 h 38 min
